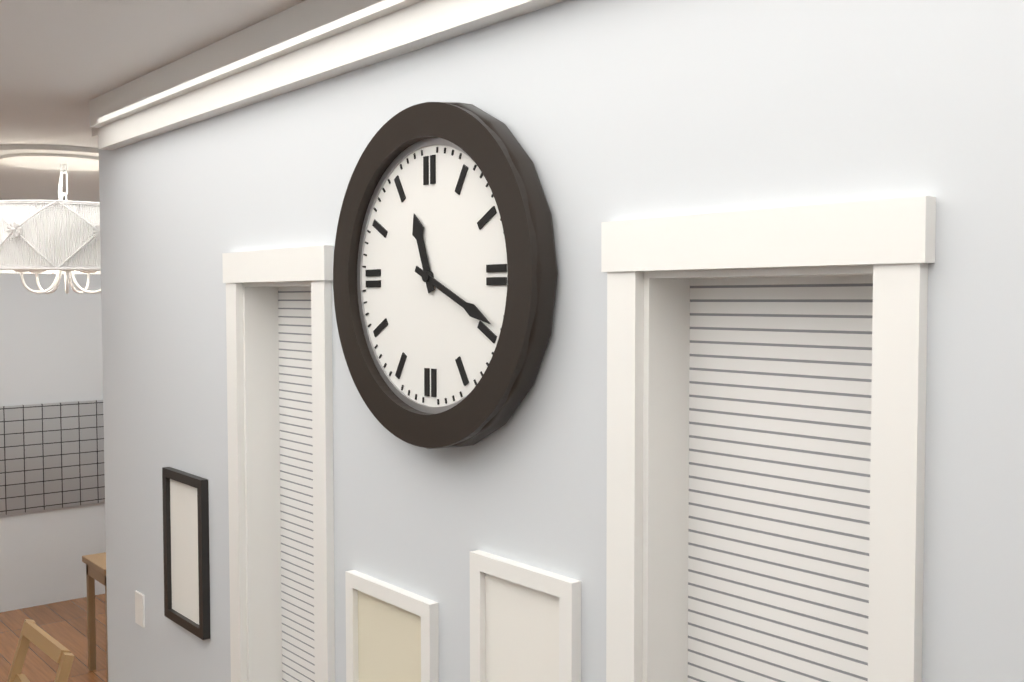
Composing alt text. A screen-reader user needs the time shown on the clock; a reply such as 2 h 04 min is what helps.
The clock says 11 h 19 min
